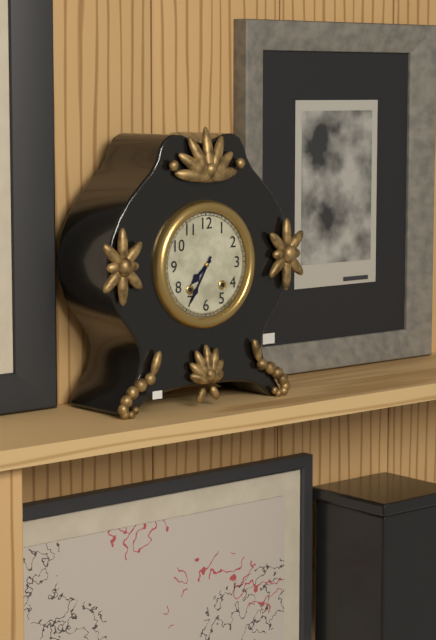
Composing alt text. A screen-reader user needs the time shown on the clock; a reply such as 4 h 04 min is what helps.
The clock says 7 h 35 min
